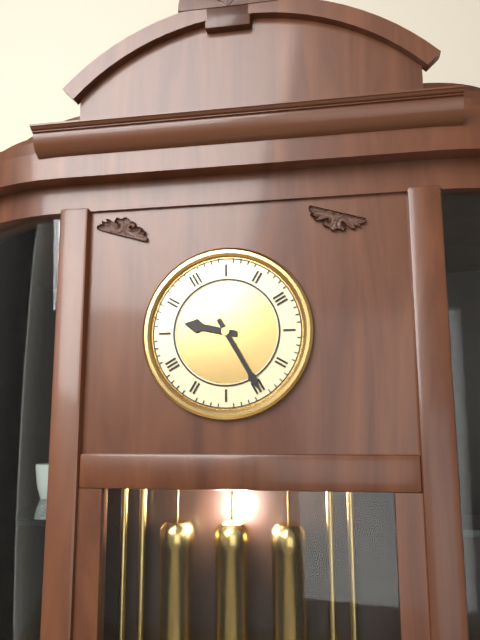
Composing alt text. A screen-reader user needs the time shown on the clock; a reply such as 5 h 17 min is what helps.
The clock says 9 h 25 min
